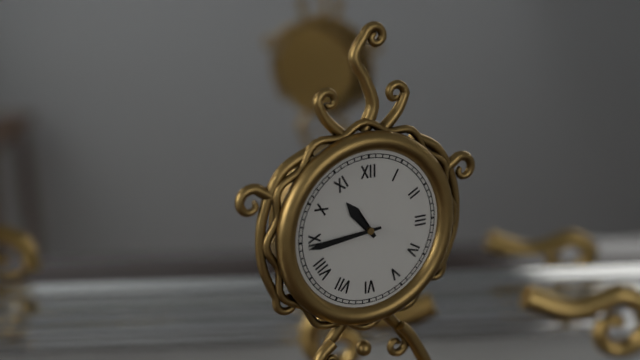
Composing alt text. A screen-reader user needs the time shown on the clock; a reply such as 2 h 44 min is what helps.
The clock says 10 h 44 min
